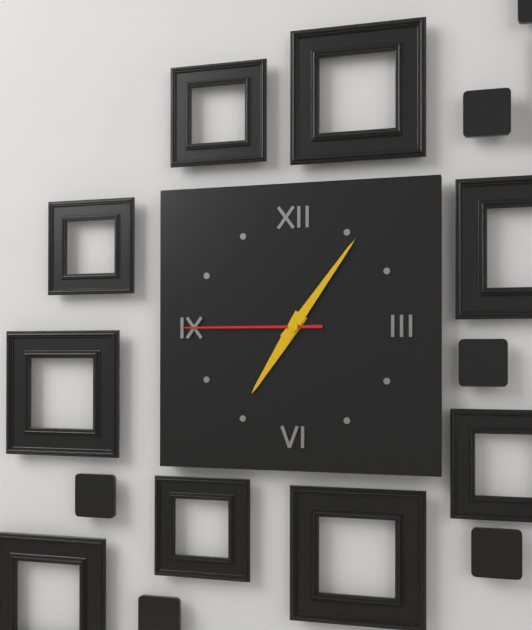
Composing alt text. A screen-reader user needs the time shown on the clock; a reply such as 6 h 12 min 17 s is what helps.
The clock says 7 h 06 min 45 s
